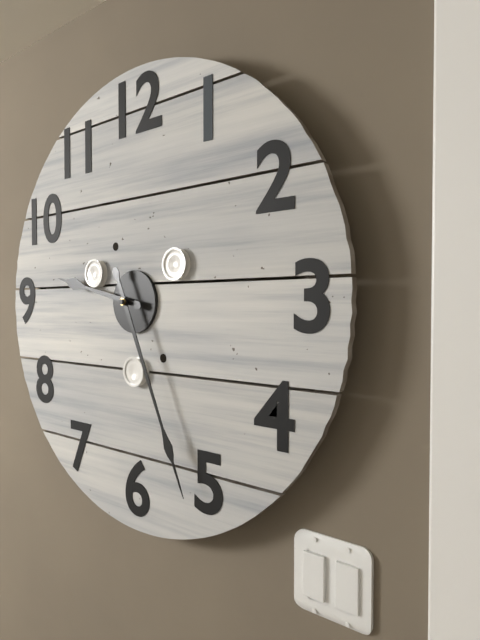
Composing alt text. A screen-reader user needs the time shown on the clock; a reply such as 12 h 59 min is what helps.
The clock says 9 h 26 min
